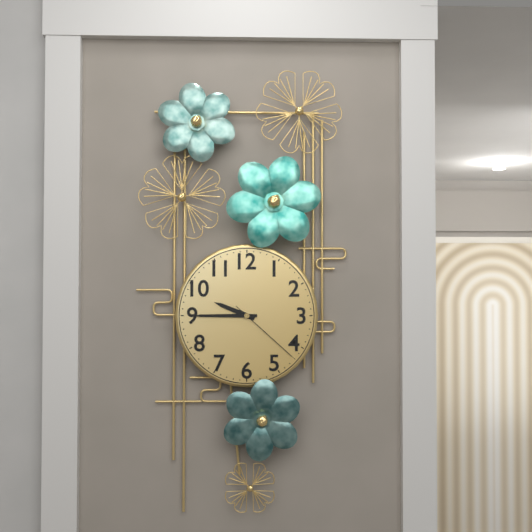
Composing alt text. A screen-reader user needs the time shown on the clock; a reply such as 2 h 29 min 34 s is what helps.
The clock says 9 h 45 min 22 s
